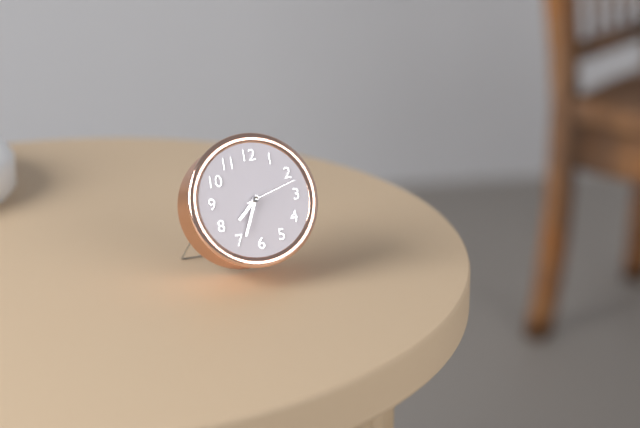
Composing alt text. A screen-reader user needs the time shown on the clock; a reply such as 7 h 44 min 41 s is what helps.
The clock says 7 h 34 min 12 s
